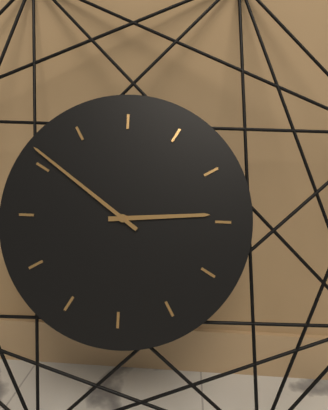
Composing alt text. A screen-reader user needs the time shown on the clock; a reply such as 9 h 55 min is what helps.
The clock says 2 h 51 min
